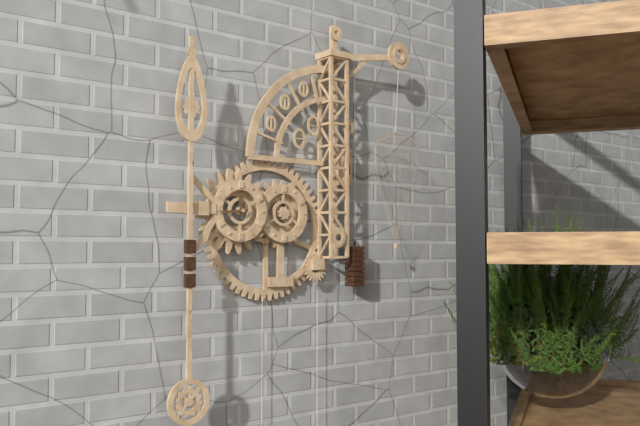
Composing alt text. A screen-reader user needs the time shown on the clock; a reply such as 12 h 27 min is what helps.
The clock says 11 h 44 min
